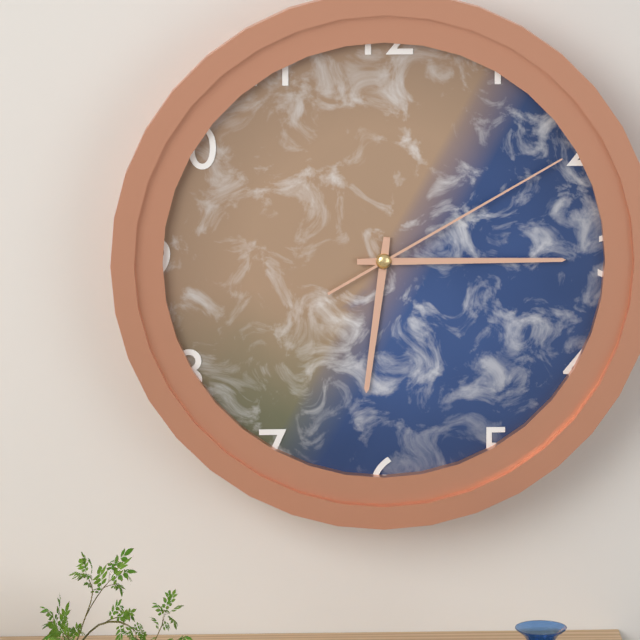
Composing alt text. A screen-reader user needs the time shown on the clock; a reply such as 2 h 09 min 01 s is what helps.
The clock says 6 h 15 min 10 s
